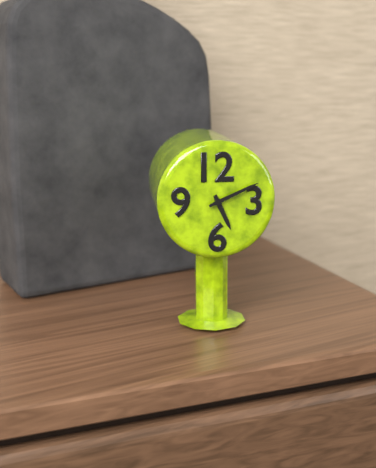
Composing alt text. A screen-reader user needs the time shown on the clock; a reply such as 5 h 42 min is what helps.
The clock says 5 h 11 min
